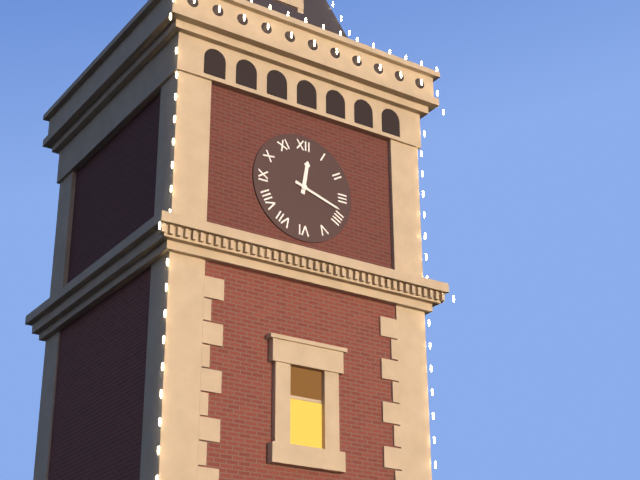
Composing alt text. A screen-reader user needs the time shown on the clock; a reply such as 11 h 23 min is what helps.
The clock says 12 h 18 min
